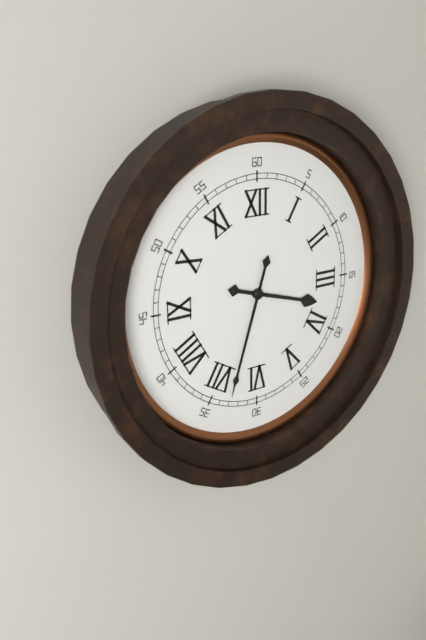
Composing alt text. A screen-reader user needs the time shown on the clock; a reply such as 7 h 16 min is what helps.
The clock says 3 h 33 min
